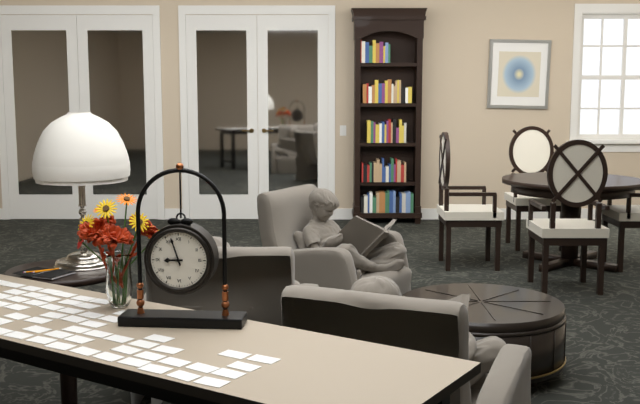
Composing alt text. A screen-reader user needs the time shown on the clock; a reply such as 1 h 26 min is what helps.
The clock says 8 h 57 min
